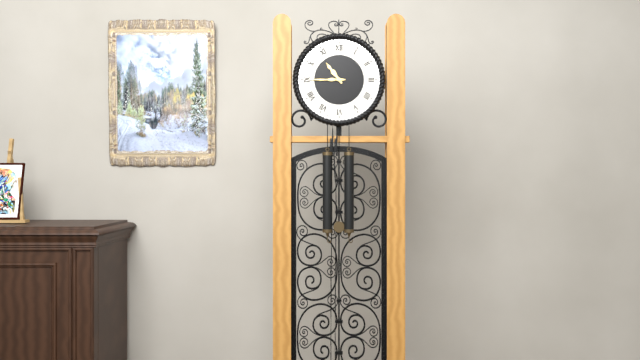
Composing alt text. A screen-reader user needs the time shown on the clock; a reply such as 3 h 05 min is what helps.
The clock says 10 h 45 min
